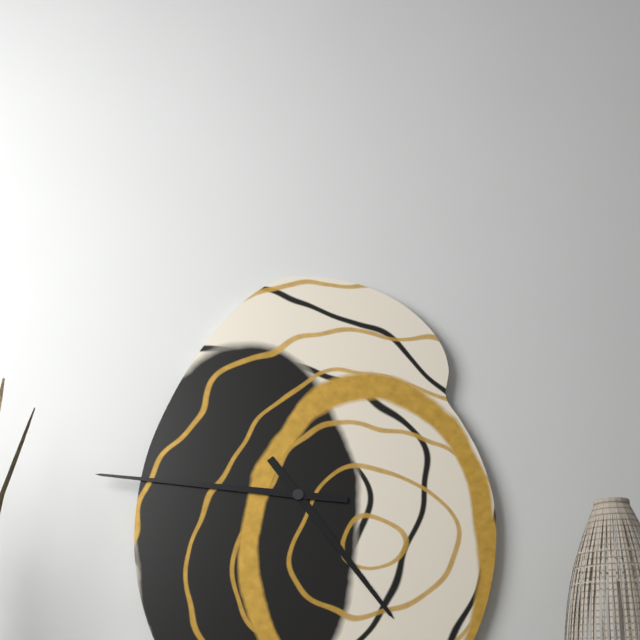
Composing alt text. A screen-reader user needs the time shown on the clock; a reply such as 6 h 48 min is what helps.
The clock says 4 h 46 min
